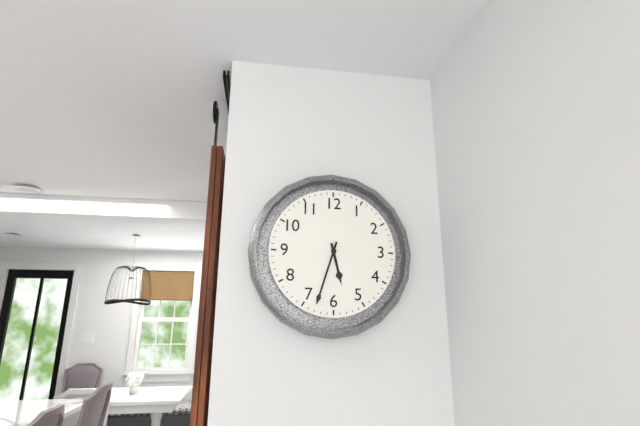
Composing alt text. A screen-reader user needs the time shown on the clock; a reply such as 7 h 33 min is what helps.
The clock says 5 h 33 min
